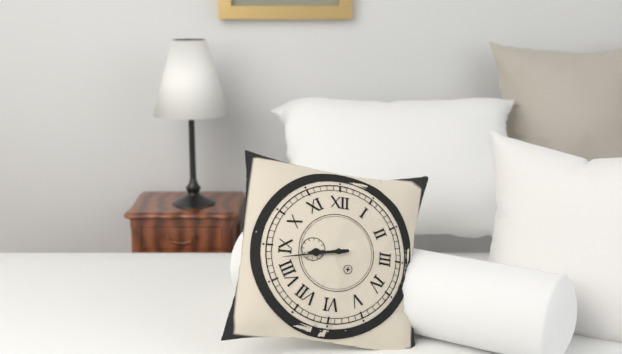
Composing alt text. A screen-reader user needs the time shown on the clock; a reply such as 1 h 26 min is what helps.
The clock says 8 h 43 min
